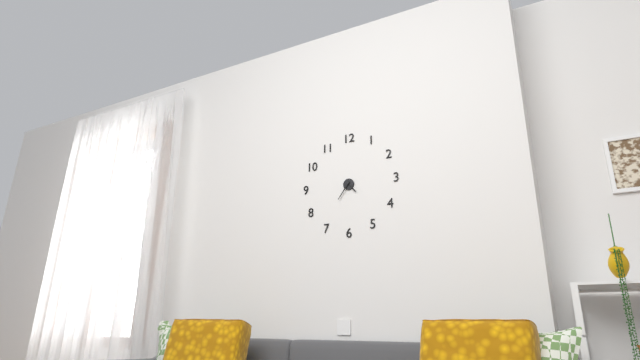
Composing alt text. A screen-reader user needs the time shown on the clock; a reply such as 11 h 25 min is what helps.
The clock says 4 h 36 min
